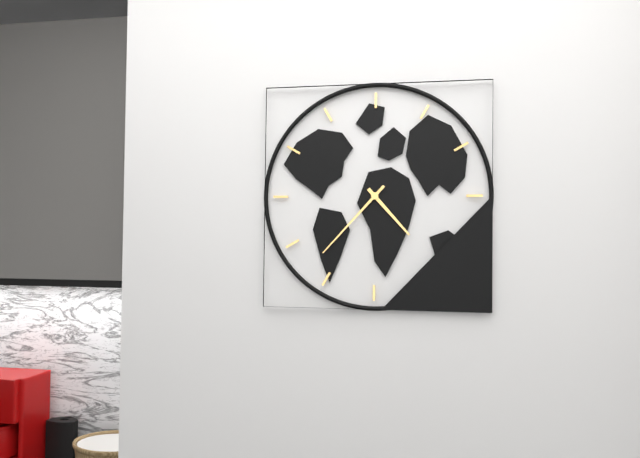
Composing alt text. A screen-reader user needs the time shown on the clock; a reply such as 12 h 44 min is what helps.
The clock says 4 h 37 min
